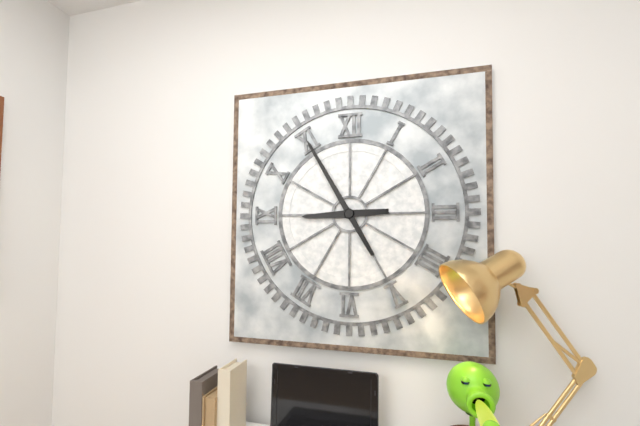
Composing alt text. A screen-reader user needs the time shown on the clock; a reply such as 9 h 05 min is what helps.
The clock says 8 h 55 min
